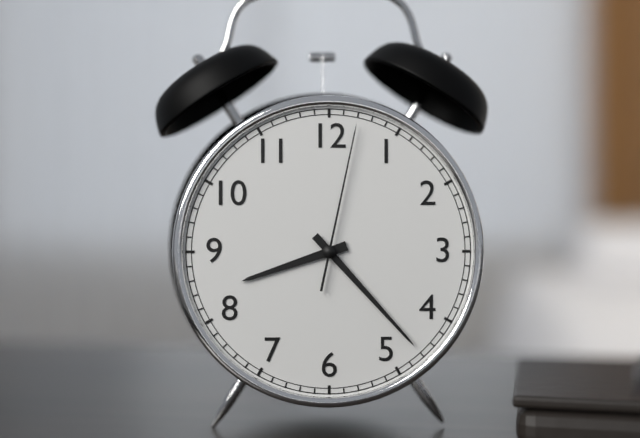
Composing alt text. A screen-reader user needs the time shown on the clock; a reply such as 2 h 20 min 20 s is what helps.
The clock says 8 h 23 min 02 s
